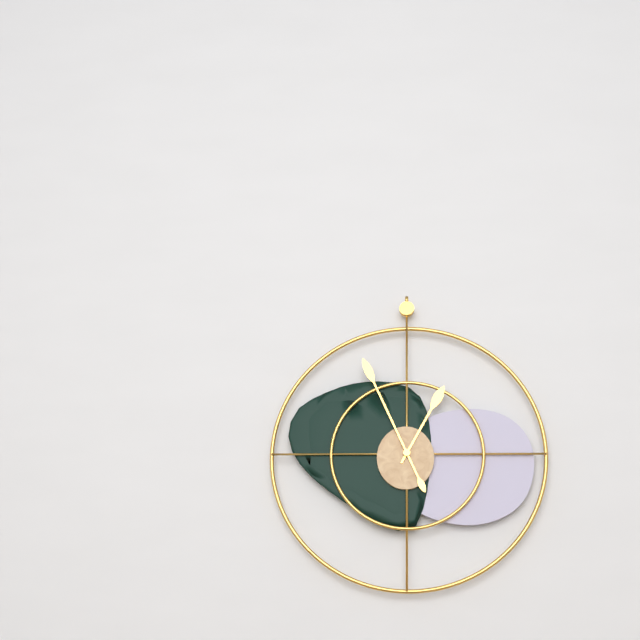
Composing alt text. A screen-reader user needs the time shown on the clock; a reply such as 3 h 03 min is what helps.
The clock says 12 h 56 min
